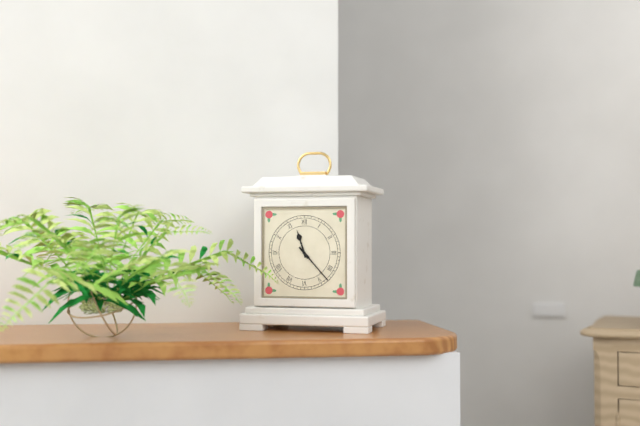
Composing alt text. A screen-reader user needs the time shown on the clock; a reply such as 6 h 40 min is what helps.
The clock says 11 h 23 min
